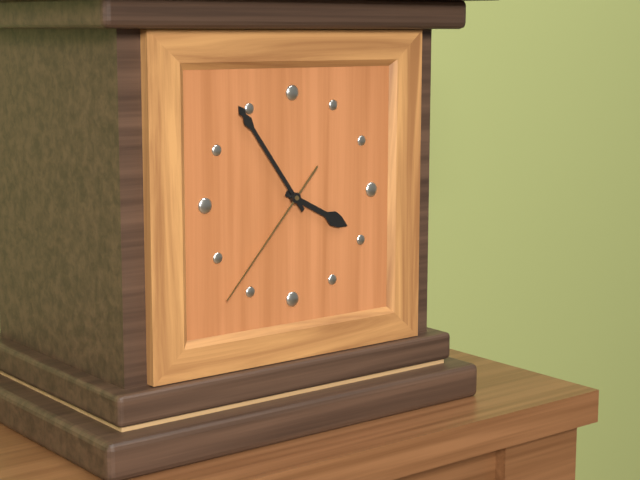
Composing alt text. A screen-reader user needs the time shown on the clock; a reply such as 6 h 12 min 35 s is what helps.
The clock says 3 h 54 min 37 s
